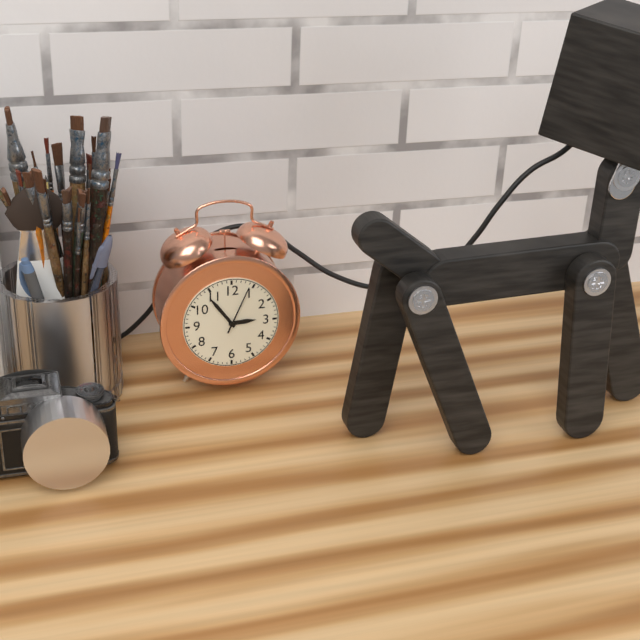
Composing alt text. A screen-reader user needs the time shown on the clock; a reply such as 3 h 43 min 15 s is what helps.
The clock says 2 h 54 min 04 s
